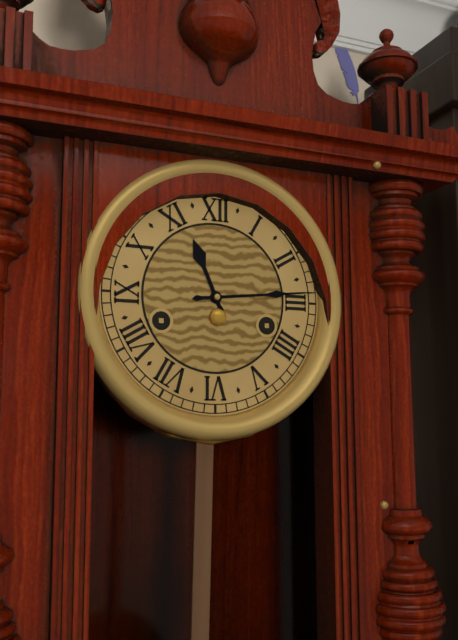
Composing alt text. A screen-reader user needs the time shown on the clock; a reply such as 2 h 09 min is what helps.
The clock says 11 h 14 min
